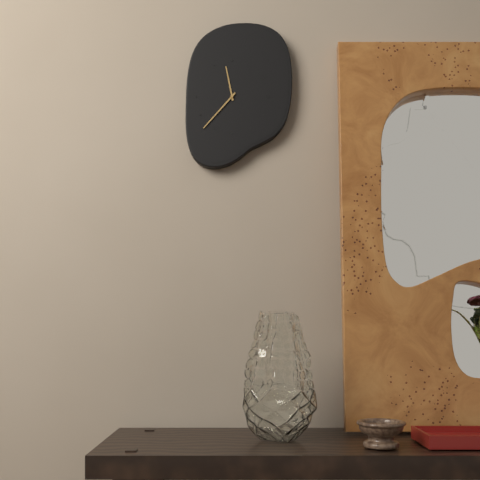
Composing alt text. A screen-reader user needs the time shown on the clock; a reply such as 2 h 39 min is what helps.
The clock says 11 h 37 min
